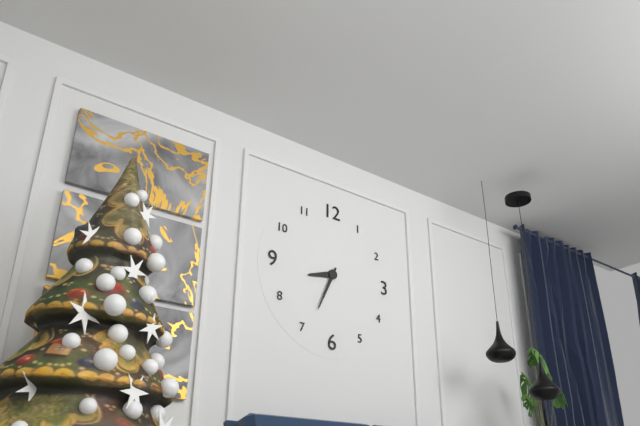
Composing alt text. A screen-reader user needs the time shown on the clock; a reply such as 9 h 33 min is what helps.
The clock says 8 h 34 min
